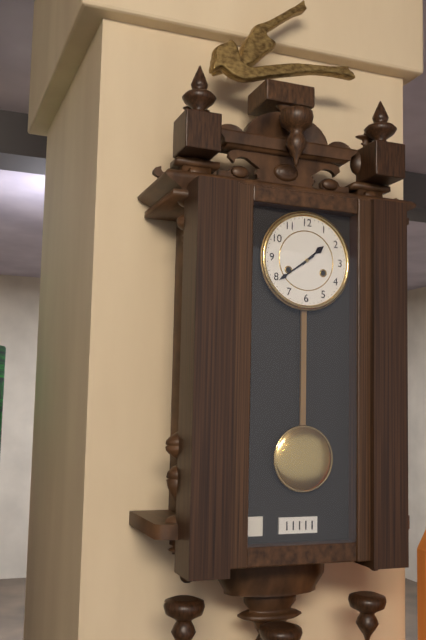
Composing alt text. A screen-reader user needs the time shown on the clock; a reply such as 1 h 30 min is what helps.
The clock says 1 h 39 min
